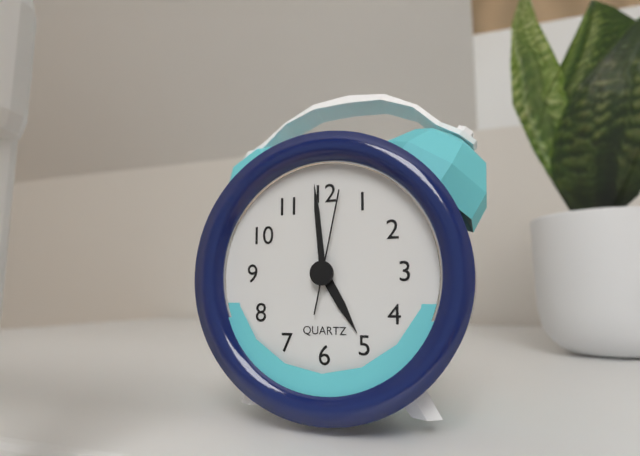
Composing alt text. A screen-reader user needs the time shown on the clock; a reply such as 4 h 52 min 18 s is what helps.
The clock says 4 h 59 min 02 s
